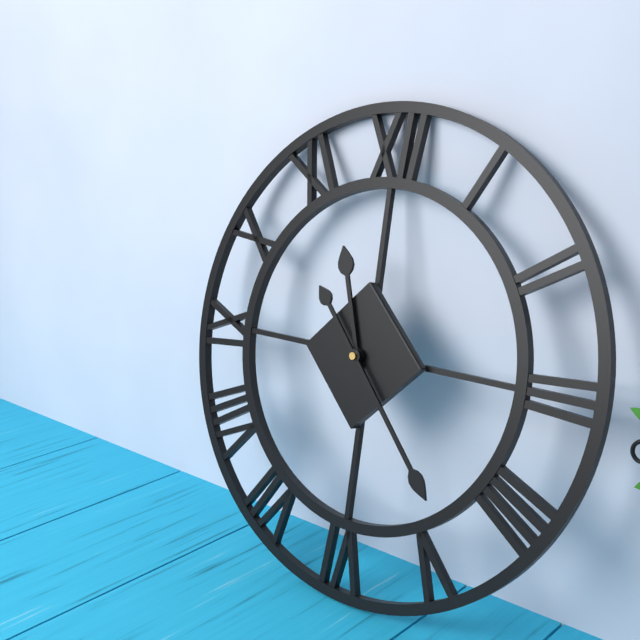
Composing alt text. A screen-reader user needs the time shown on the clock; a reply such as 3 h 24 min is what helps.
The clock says 11 h 23 min
